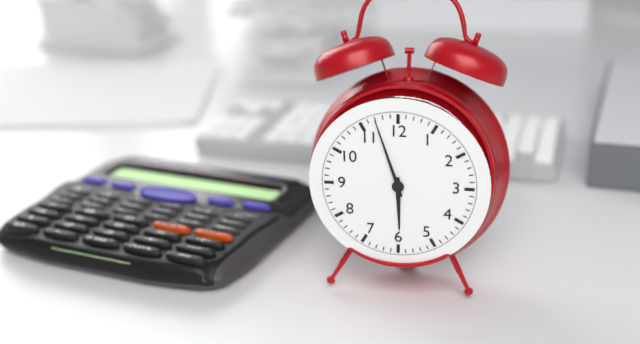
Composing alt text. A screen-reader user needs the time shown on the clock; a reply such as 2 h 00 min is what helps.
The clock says 5 h 57 min
